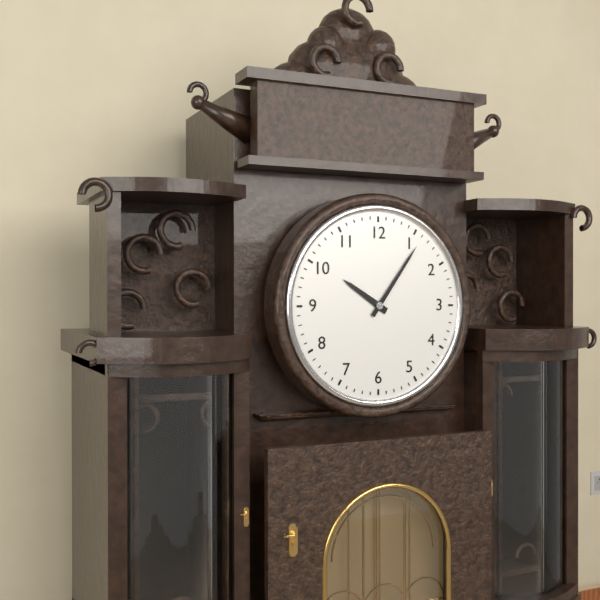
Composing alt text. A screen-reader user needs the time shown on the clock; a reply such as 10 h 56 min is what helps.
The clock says 10 h 06 min
